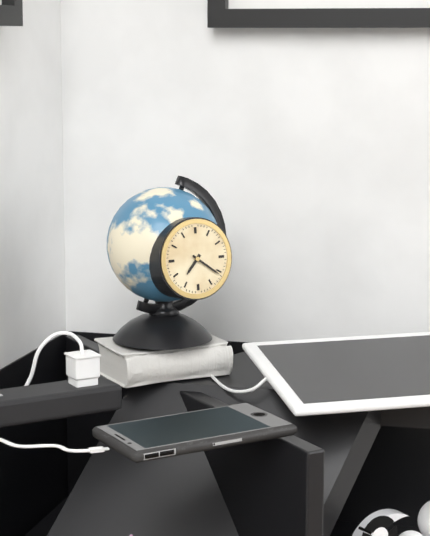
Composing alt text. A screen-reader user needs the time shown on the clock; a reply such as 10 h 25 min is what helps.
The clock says 7 h 21 min
